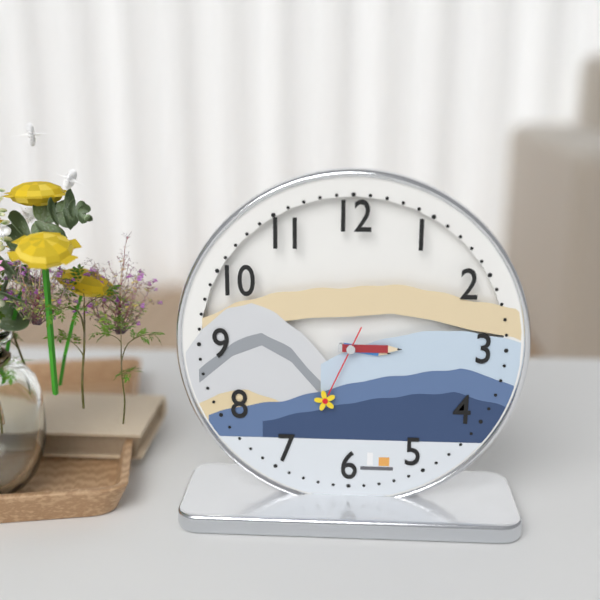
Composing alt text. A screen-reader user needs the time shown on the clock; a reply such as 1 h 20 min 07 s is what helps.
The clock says 3 h 15 min 34 s
